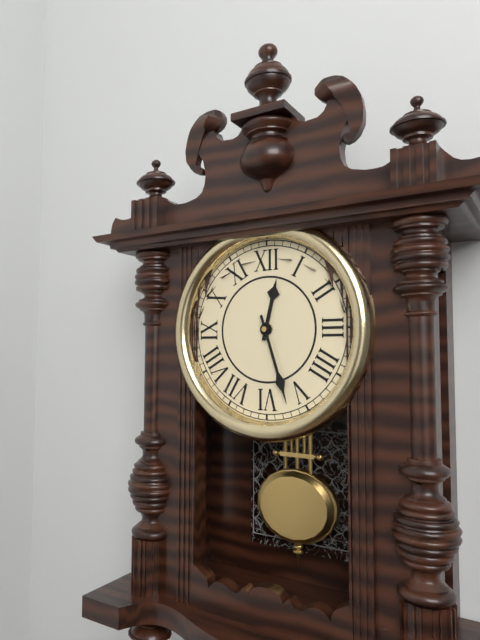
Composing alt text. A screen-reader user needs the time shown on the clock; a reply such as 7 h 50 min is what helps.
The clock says 12 h 27 min
